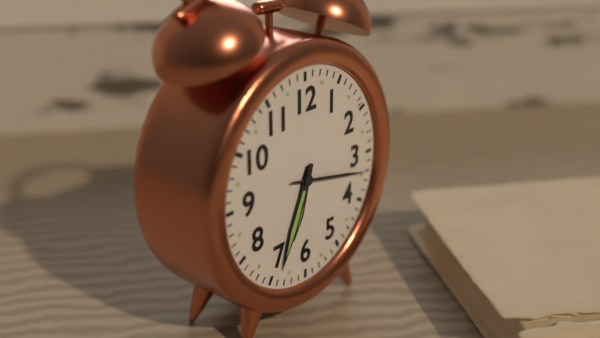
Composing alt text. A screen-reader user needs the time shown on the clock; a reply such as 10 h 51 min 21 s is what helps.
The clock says 6 h 34 min 17 s
